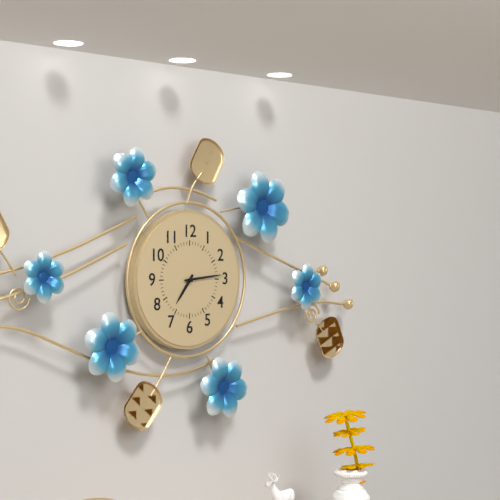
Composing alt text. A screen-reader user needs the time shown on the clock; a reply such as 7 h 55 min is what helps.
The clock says 7 h 14 min
